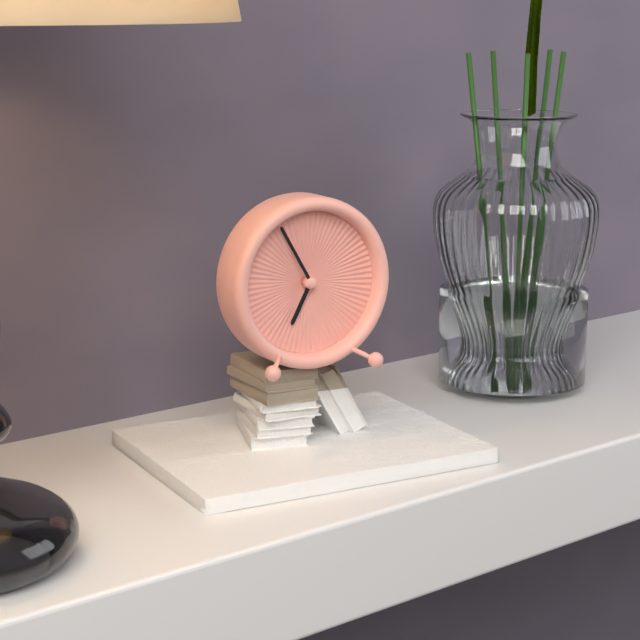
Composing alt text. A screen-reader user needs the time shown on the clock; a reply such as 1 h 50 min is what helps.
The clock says 6 h 55 min
